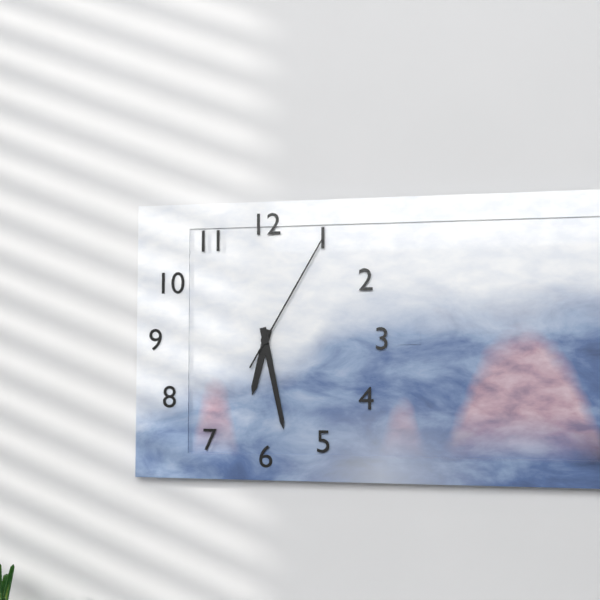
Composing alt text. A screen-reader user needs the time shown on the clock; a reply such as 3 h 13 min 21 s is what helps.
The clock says 6 h 28 min 05 s
